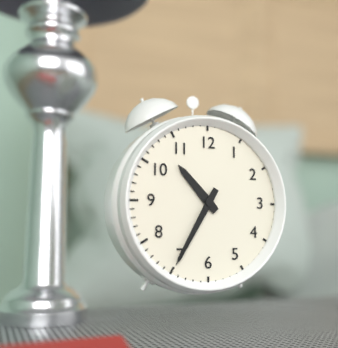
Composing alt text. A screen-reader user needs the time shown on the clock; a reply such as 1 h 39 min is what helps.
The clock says 10 h 35 min
